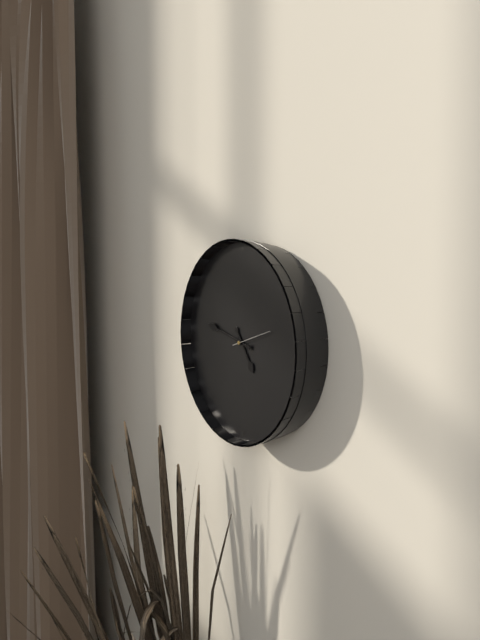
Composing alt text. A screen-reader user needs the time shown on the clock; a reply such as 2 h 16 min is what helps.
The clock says 4 h 47 min
